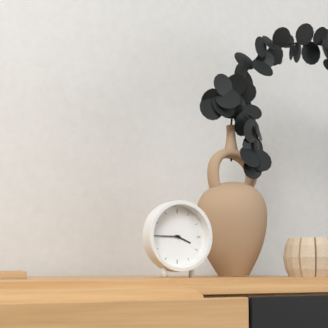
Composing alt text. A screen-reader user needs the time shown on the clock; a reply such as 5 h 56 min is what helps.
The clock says 3 h 45 min
